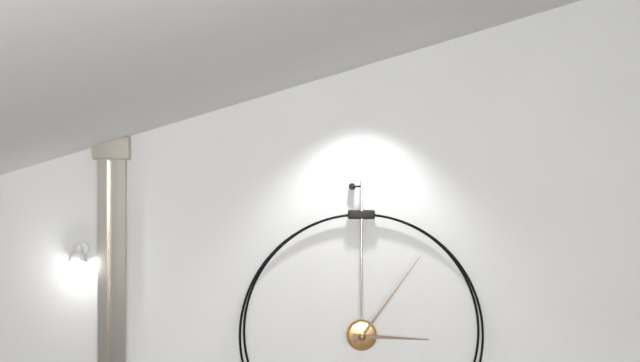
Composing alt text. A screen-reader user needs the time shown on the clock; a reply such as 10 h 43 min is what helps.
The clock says 3 h 06 min
